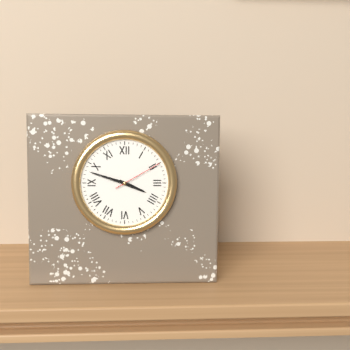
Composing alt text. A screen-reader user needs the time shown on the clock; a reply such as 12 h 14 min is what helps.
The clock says 3 h 48 min
